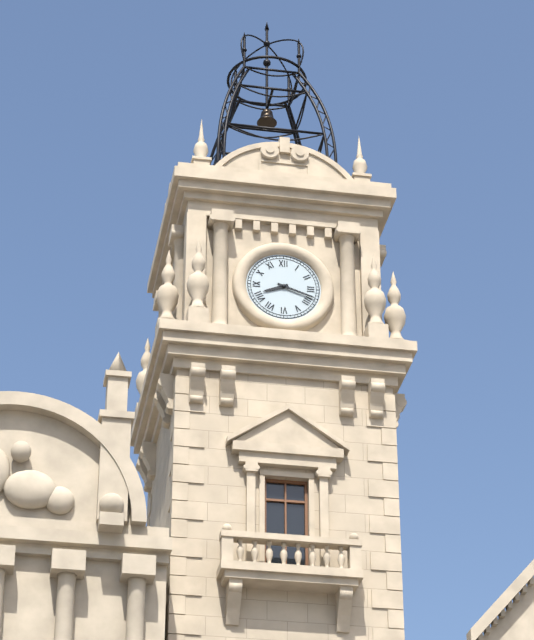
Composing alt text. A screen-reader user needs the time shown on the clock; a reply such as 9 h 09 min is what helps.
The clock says 8 h 18 min
